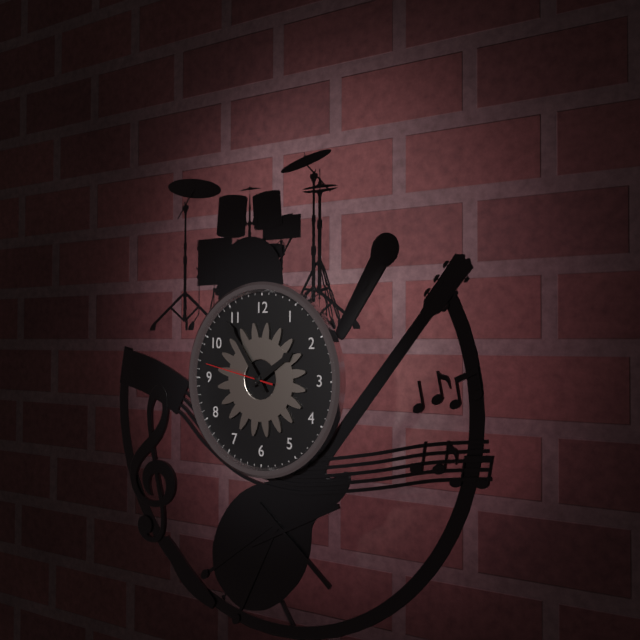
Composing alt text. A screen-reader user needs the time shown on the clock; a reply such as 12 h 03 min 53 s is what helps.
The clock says 1 h 54 min 47 s
